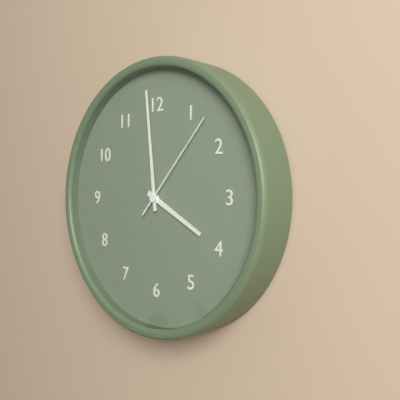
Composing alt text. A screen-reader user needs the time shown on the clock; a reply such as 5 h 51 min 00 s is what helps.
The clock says 3 h 59 min 07 s
